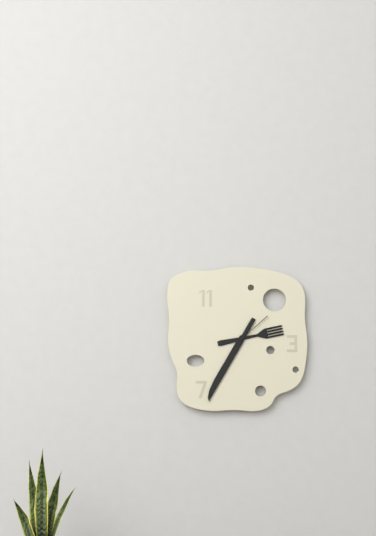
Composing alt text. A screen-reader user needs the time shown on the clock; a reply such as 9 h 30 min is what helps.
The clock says 2 h 35 min
